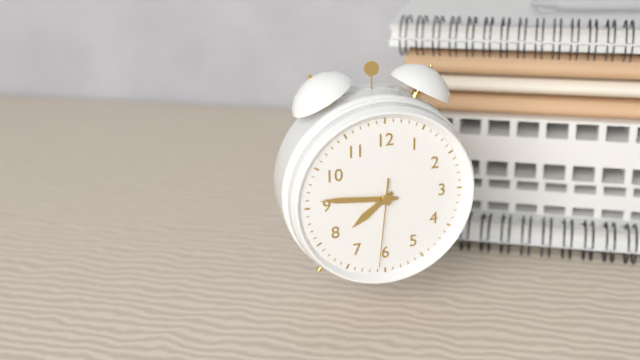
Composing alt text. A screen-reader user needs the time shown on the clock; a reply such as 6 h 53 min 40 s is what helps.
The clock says 7 h 46 min 31 s
